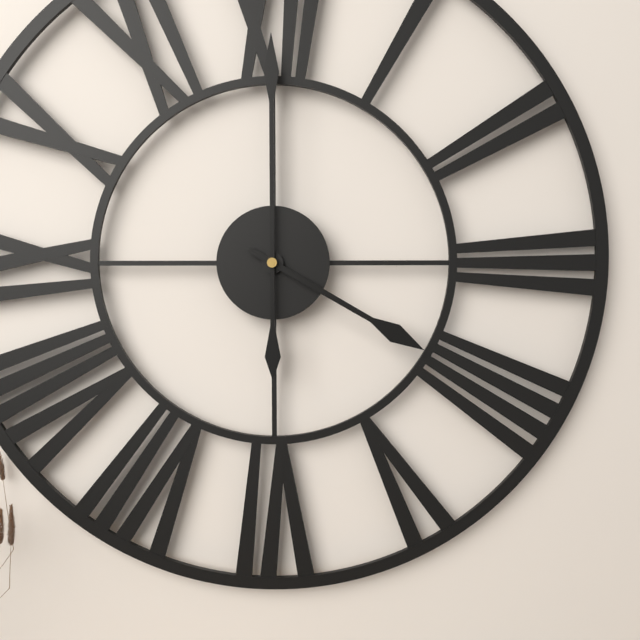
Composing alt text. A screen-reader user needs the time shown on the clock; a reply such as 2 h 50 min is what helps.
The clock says 4 h 00 min
